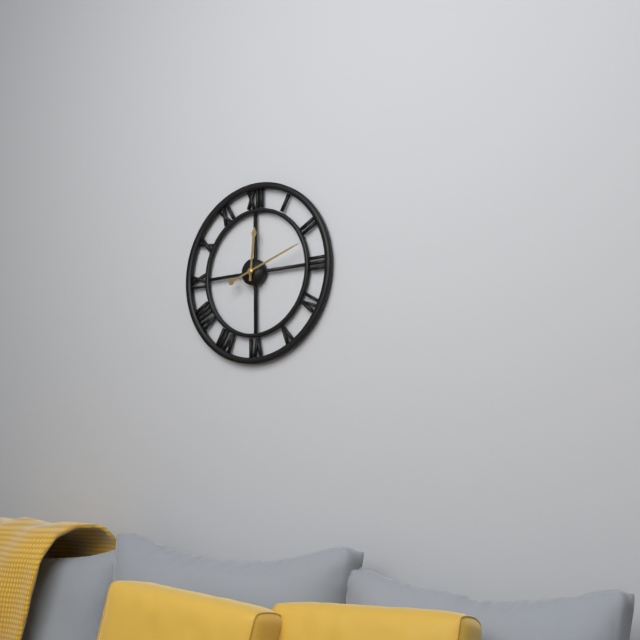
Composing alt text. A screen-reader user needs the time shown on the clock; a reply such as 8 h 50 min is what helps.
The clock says 12 h 12 min
